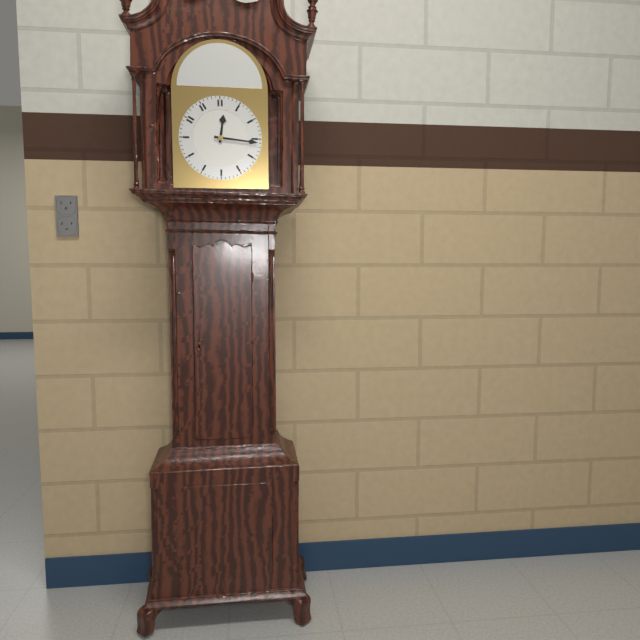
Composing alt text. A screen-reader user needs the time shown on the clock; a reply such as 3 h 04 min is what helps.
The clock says 12 h 16 min
